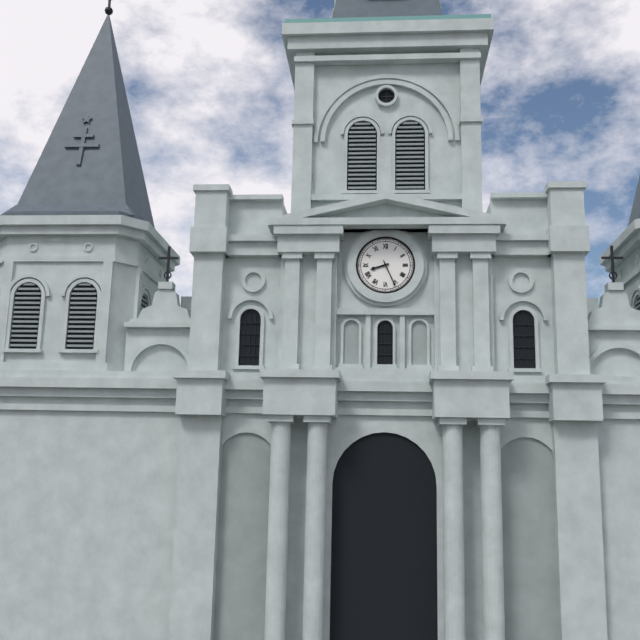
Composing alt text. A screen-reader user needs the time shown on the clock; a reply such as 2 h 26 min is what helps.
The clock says 8 h 26 min
